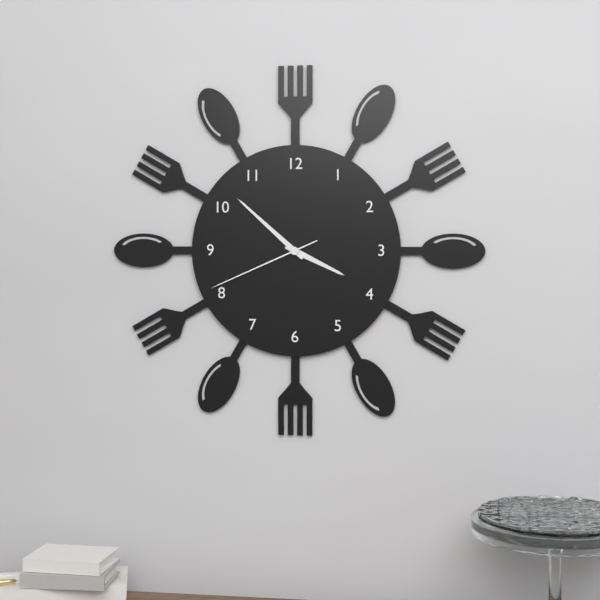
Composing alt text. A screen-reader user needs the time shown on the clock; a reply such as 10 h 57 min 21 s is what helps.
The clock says 3 h 52 min 41 s
